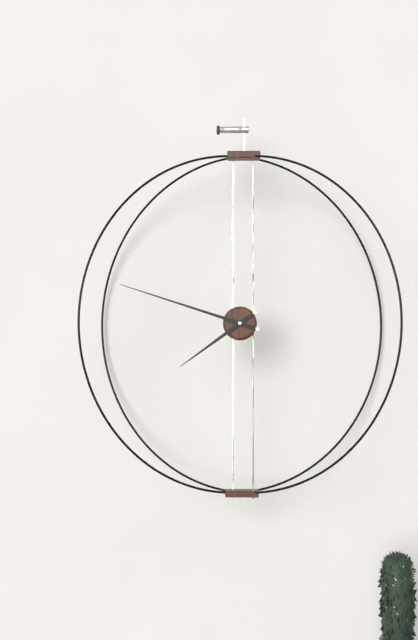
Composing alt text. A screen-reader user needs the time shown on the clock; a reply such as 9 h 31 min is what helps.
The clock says 7 h 48 min
